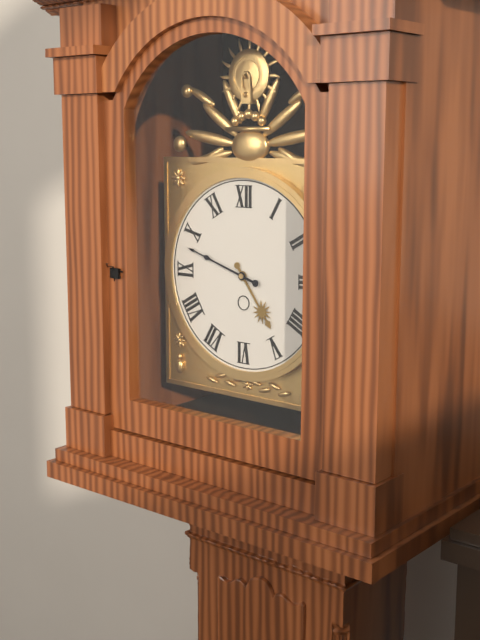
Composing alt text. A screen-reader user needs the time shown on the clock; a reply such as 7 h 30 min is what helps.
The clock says 4 h 48 min
